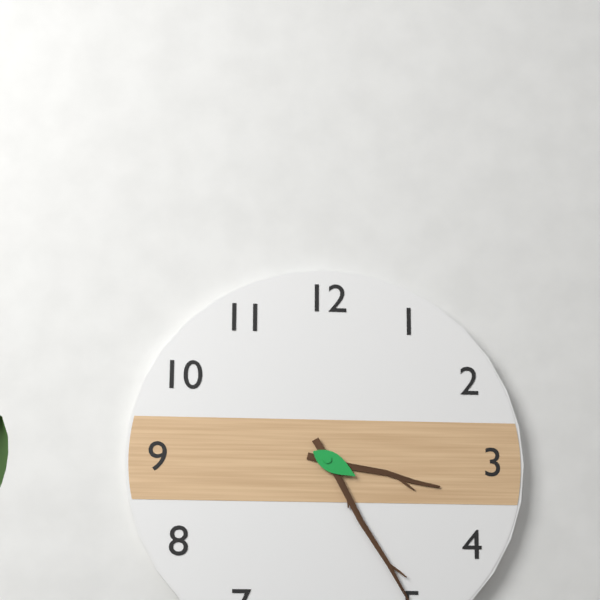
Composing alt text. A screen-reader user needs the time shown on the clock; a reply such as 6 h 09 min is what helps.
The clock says 3 h 25 min
